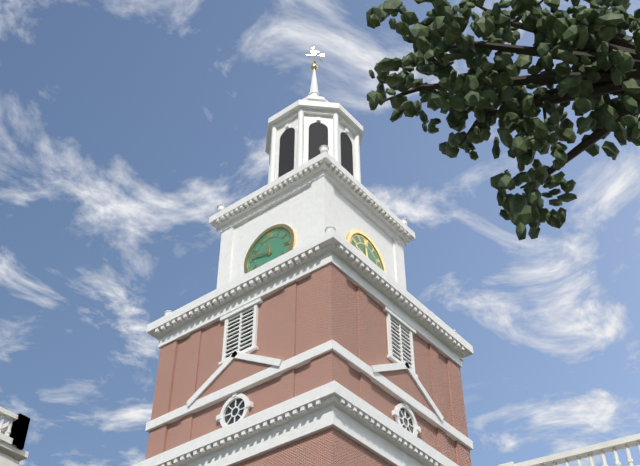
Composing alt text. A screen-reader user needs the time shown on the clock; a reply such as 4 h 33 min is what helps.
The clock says 11 h 47 min
